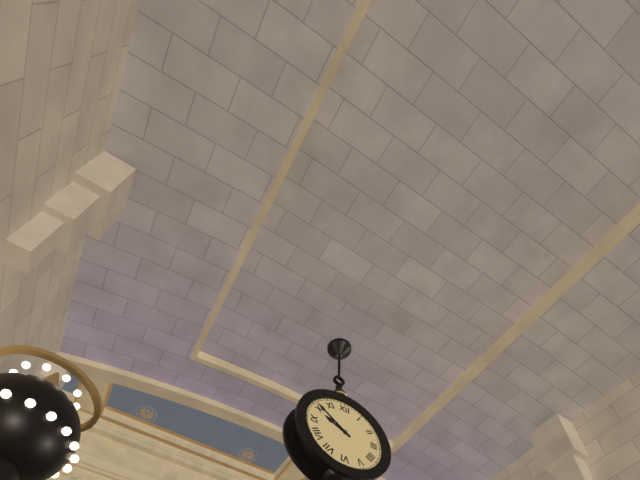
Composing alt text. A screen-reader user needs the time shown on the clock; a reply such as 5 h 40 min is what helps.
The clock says 9 h 51 min
